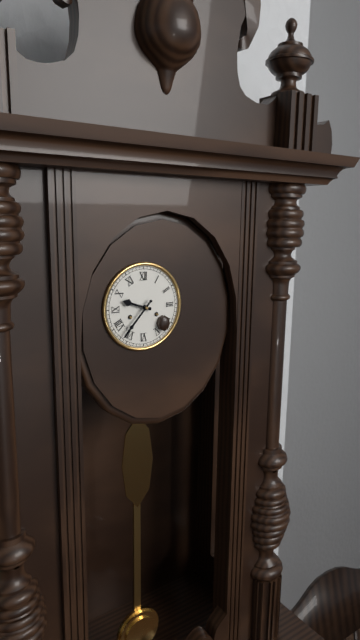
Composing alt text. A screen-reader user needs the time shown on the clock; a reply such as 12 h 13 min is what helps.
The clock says 9 h 37 min
